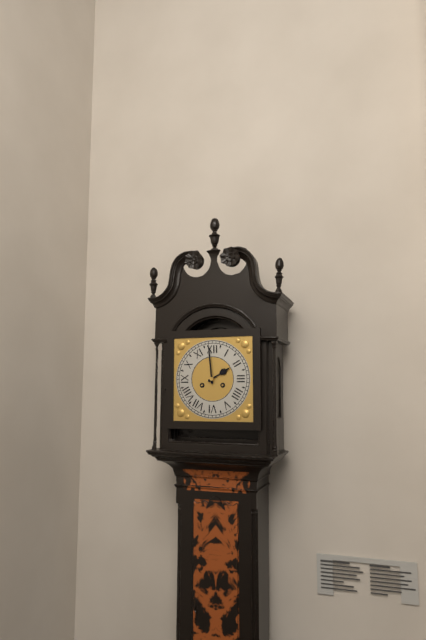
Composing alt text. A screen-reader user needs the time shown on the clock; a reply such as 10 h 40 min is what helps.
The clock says 1 h 59 min
